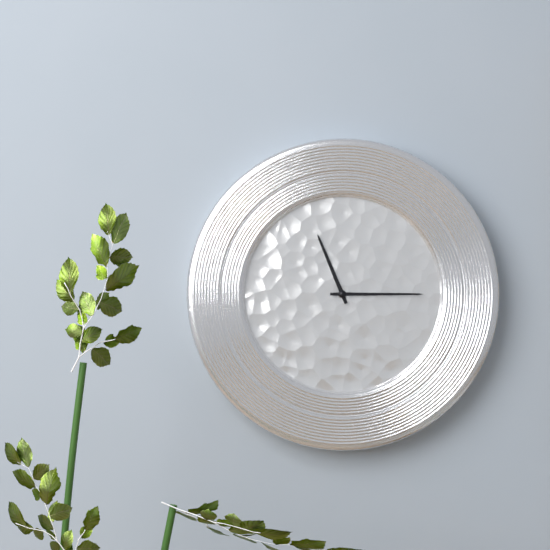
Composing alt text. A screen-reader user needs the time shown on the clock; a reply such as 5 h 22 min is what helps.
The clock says 11 h 15 min
